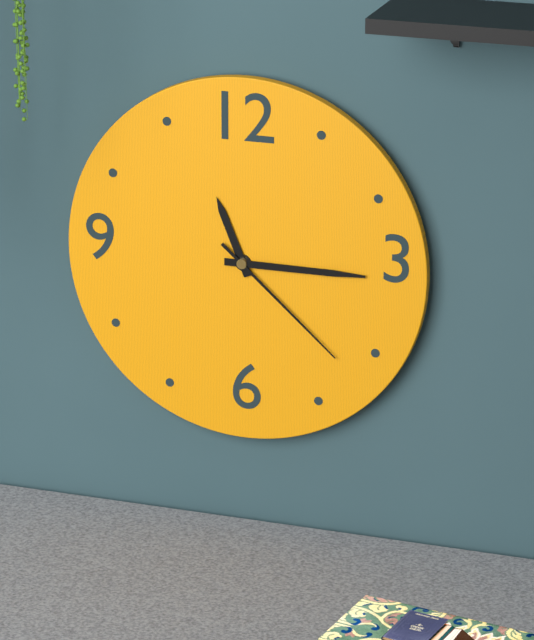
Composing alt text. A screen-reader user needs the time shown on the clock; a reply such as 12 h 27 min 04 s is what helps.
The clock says 11 h 15 min 22 s
